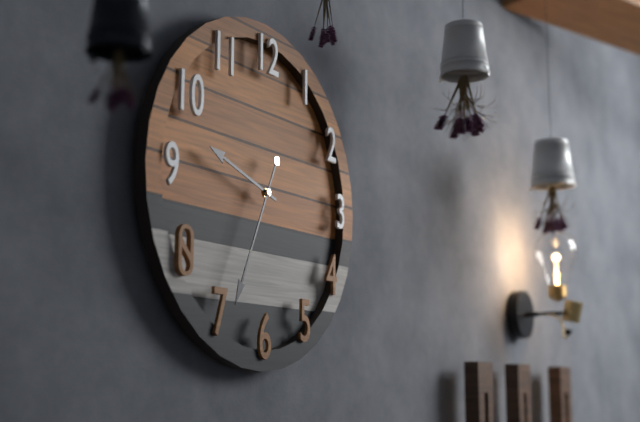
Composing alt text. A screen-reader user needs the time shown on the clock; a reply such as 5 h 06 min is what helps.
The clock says 9 h 34 min
